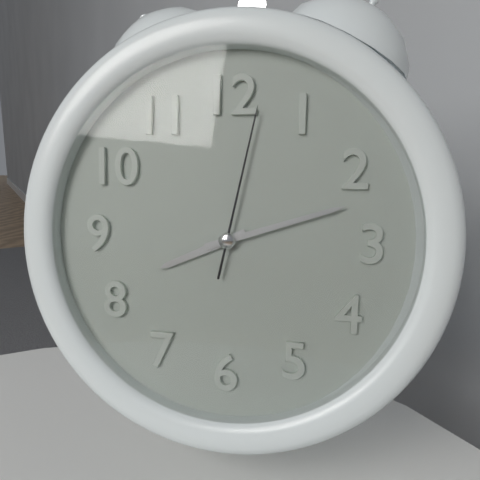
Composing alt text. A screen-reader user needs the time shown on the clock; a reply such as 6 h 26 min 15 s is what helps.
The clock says 8 h 12 min 02 s
